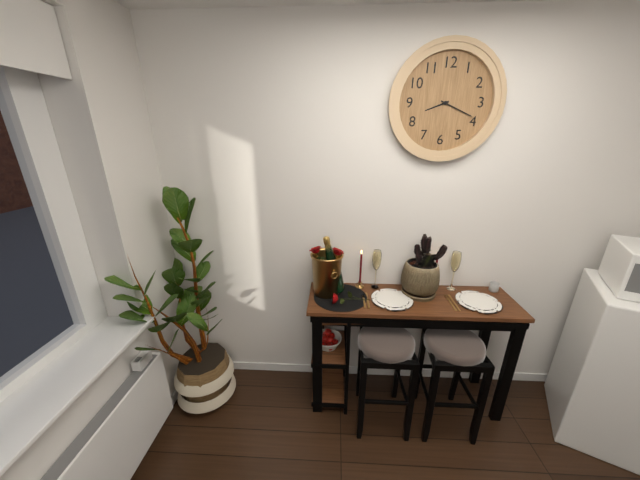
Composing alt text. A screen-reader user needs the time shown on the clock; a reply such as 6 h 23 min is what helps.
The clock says 8 h 19 min
